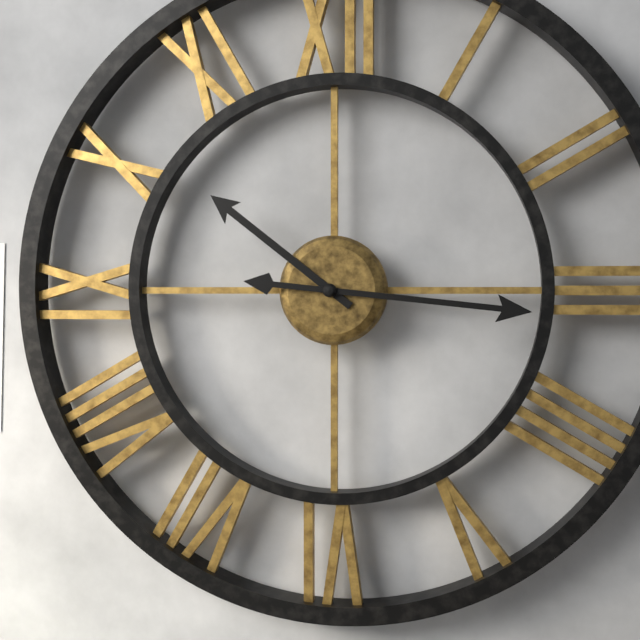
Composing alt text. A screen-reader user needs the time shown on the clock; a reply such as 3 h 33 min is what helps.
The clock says 10 h 16 min
